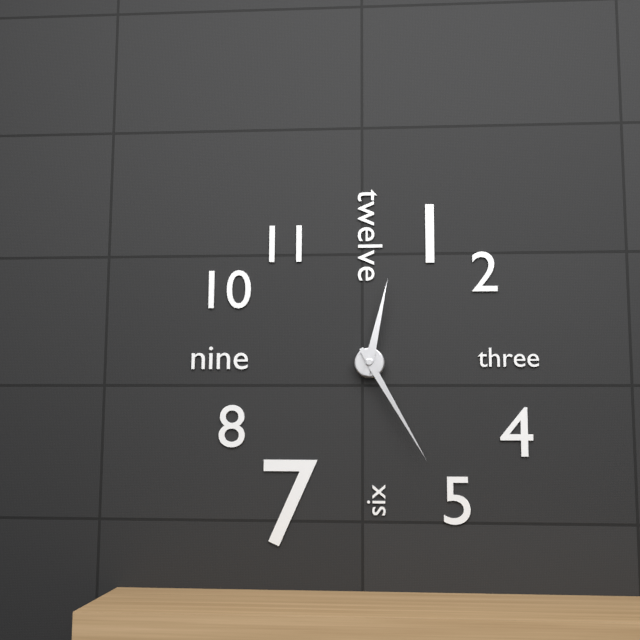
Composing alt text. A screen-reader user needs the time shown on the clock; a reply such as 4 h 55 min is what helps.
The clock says 12 h 25 min
